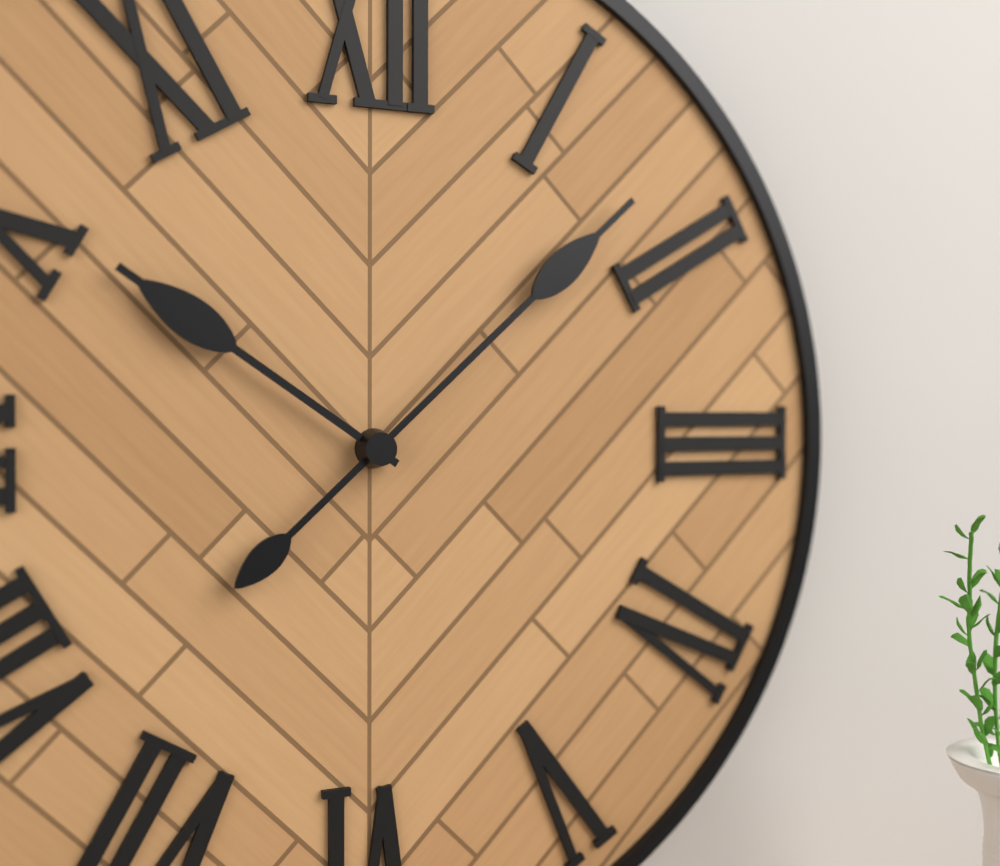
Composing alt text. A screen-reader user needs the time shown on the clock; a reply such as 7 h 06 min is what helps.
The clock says 10 h 08 min
